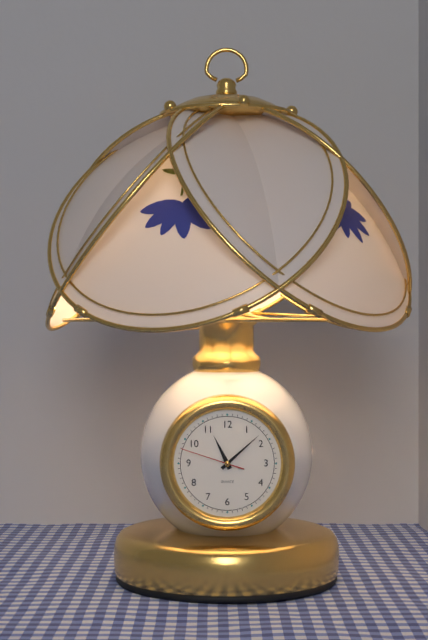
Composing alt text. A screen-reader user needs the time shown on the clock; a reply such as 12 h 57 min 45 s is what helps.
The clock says 11 h 08 min 48 s
